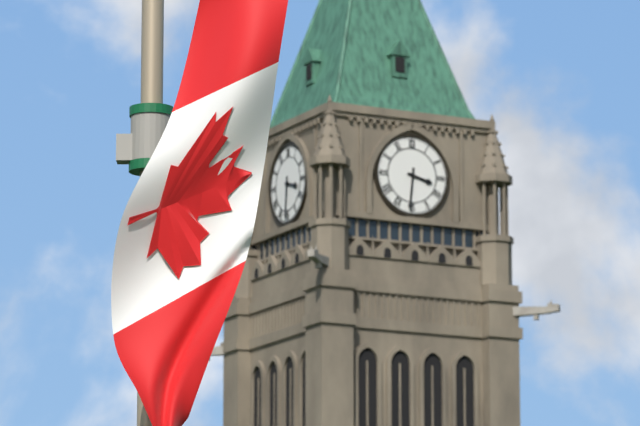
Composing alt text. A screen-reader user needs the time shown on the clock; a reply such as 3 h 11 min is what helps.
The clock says 3 h 31 min
